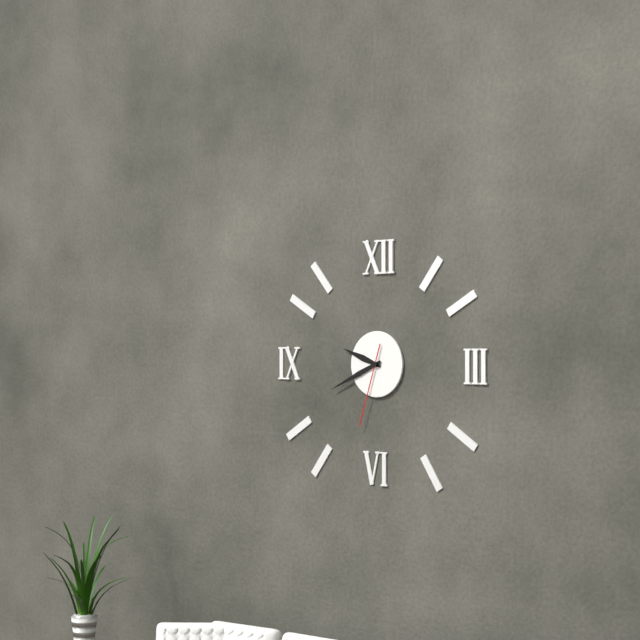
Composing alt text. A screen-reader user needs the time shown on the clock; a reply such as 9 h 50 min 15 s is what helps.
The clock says 9 h 41 min 33 s
